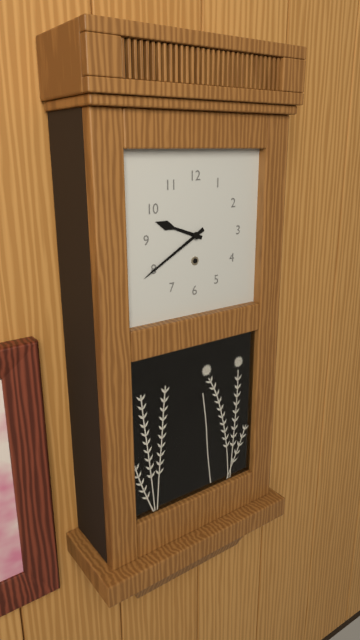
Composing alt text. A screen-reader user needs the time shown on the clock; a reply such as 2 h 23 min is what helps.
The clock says 9 h 40 min
